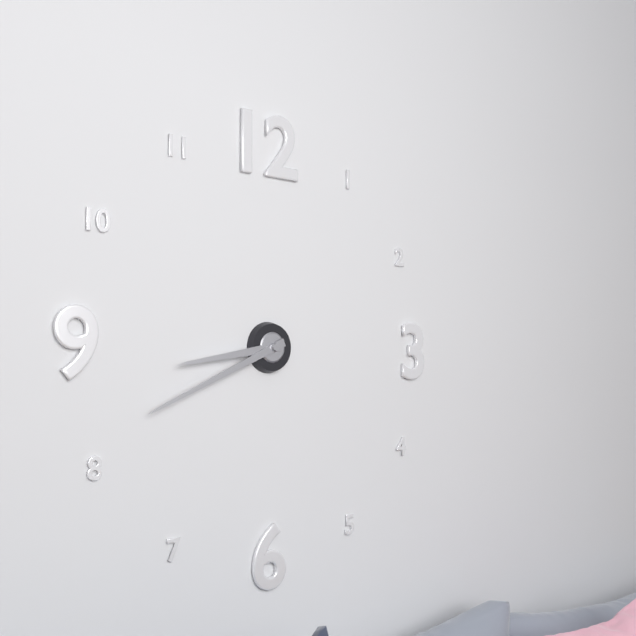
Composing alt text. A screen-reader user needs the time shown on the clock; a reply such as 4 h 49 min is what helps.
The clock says 8 h 41 min
